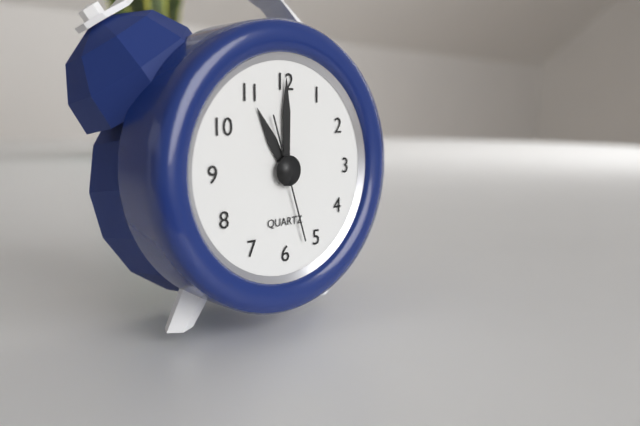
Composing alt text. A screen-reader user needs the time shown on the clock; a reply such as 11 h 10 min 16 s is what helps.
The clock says 11 h 00 min 27 s
